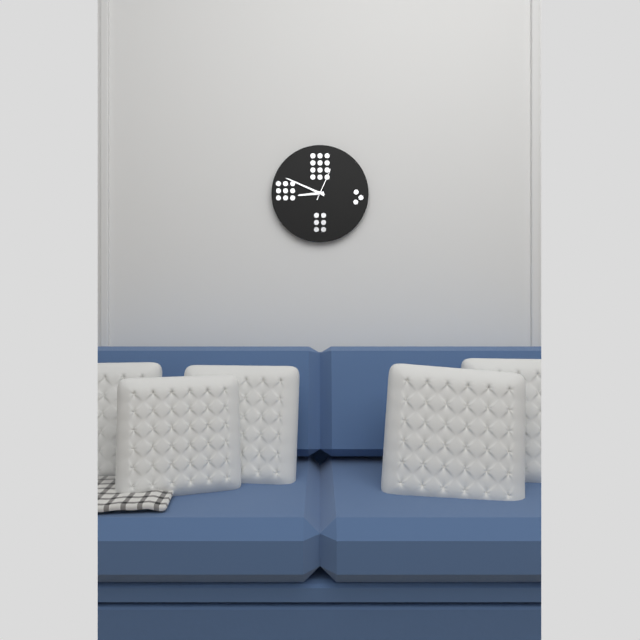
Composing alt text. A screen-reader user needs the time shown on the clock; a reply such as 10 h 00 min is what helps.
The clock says 8 h 49 min
